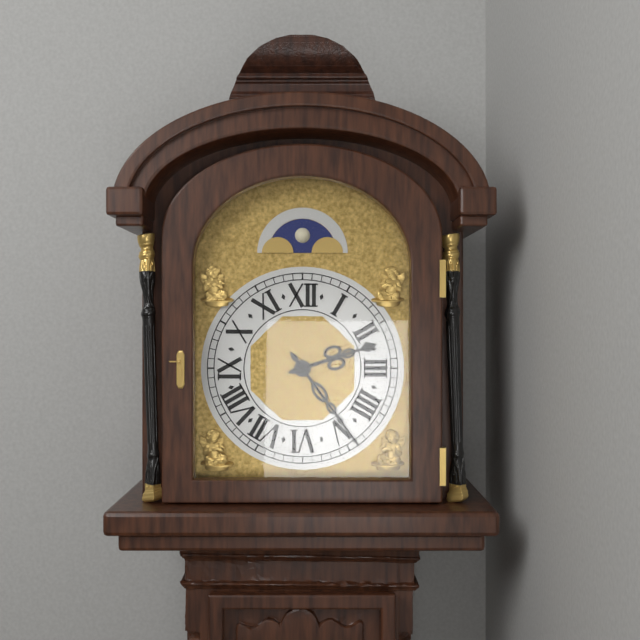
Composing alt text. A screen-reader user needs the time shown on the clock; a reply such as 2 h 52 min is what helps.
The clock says 2 h 24 min
